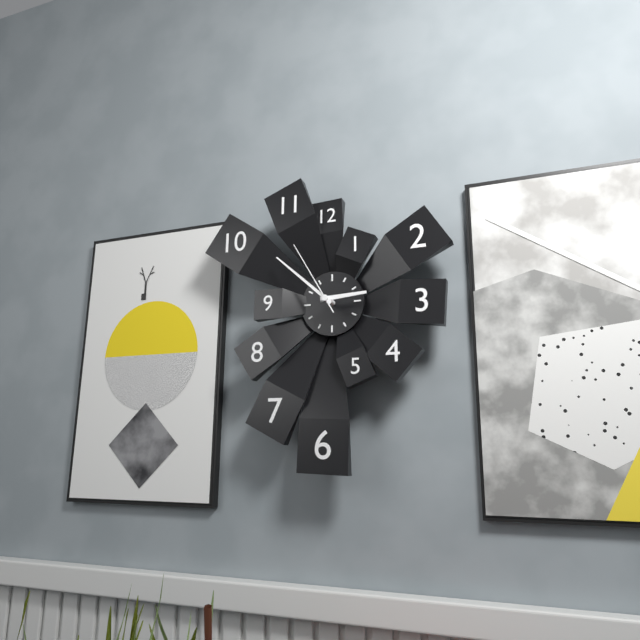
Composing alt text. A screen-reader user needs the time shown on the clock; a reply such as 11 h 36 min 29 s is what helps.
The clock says 2 h 52 min 55 s
